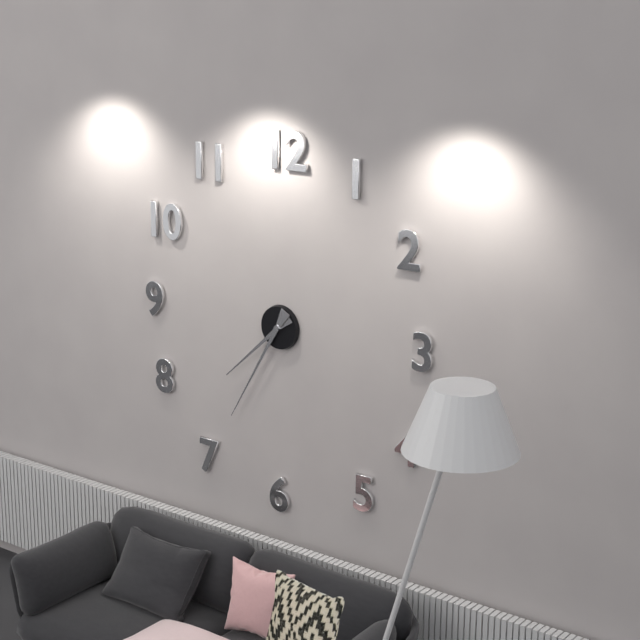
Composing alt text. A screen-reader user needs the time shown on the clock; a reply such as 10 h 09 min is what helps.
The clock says 7 h 35 min
